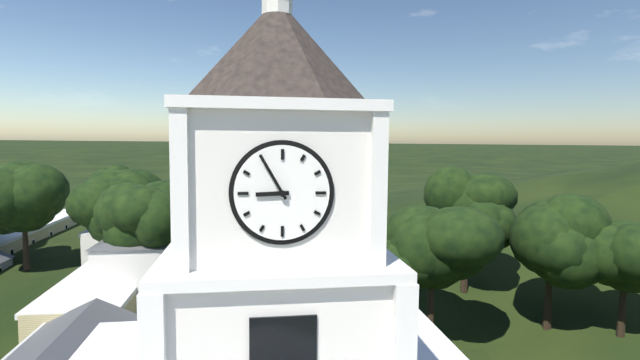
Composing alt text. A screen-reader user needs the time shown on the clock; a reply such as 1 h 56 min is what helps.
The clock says 8 h 55 min
